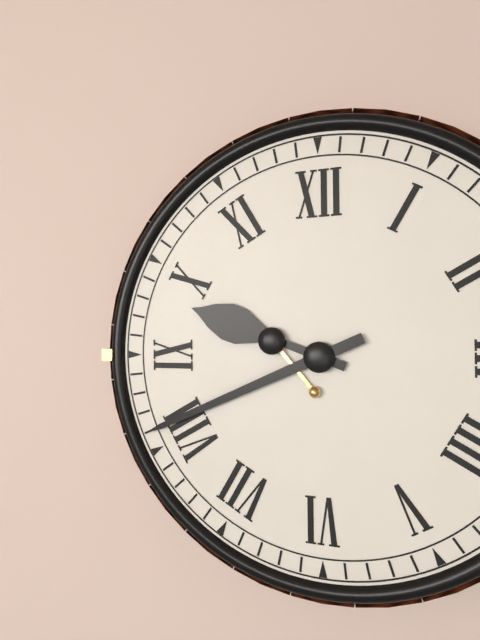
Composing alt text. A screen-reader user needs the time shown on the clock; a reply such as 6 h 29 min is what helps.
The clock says 9 h 41 min
